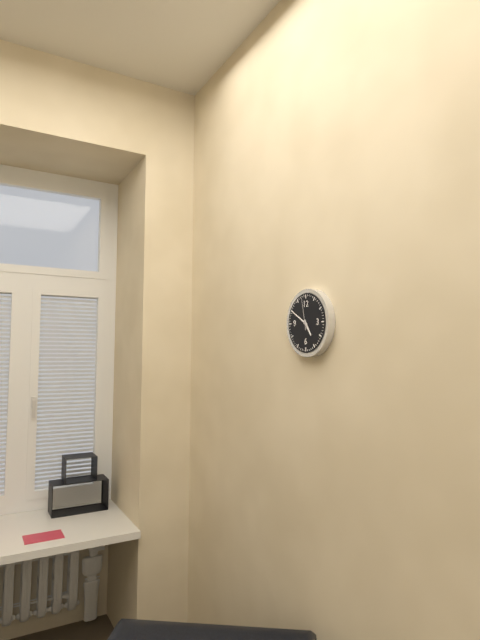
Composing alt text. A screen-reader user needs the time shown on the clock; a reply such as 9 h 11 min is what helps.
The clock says 4 h 50 min
